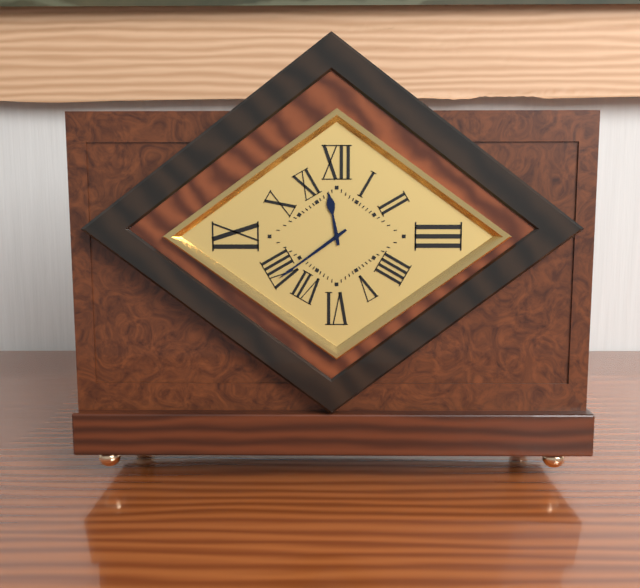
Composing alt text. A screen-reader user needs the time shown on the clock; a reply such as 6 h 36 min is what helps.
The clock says 11 h 39 min
